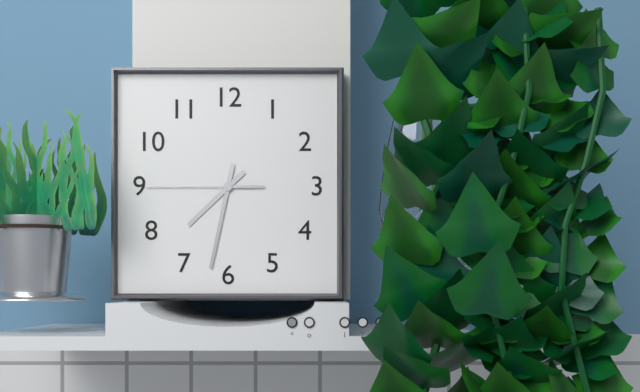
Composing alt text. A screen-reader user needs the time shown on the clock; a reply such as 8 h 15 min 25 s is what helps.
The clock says 7 h 32 min 45 s
